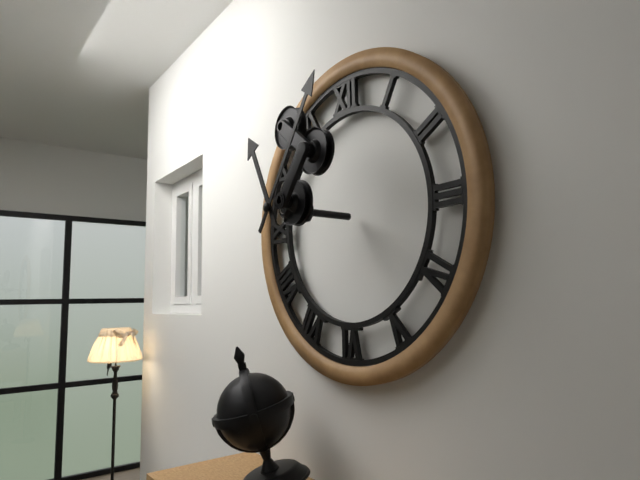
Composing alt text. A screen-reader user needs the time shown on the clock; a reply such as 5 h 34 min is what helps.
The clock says 11 h 06 min
